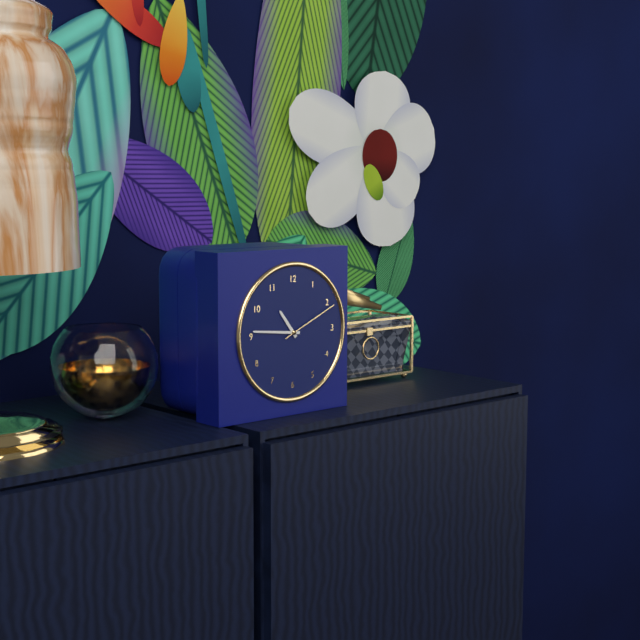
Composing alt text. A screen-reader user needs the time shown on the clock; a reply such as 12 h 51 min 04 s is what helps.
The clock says 10 h 46 min 11 s
